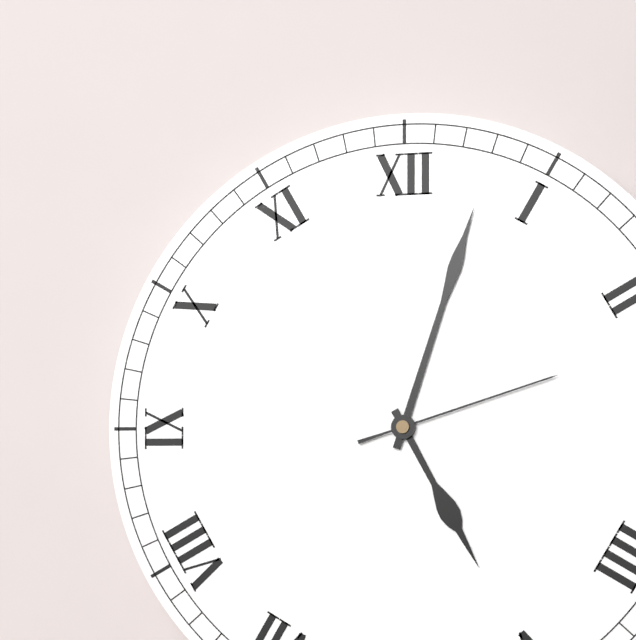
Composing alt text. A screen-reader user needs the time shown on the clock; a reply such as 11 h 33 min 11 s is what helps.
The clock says 5 h 03 min 12 s
